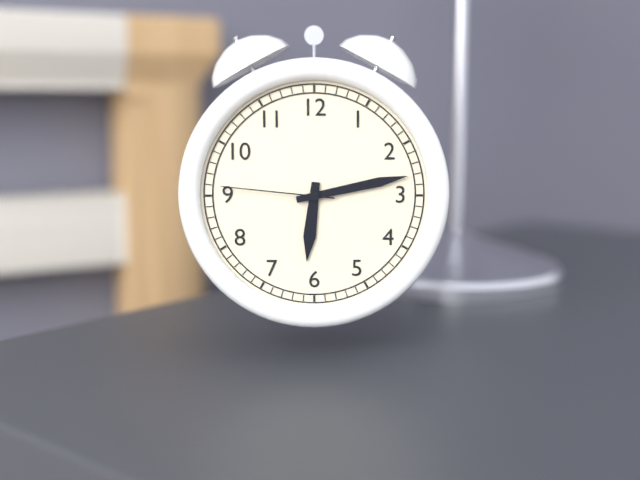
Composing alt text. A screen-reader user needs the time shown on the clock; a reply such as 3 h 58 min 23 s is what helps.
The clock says 6 h 13 min 46 s
